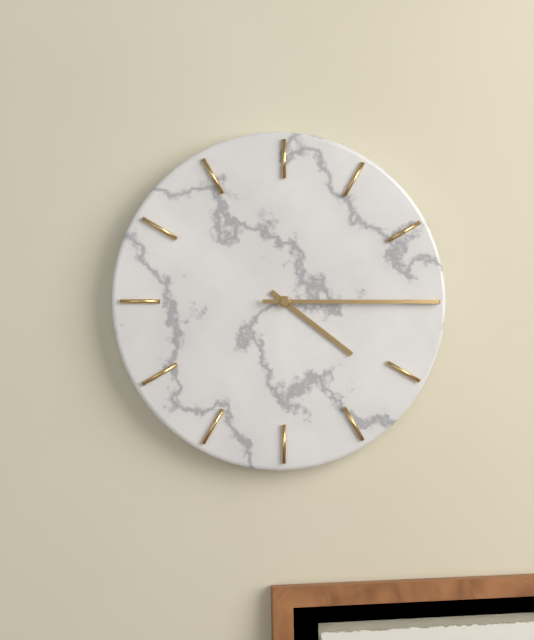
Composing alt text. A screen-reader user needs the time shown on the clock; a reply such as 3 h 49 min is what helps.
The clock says 4 h 15 min
